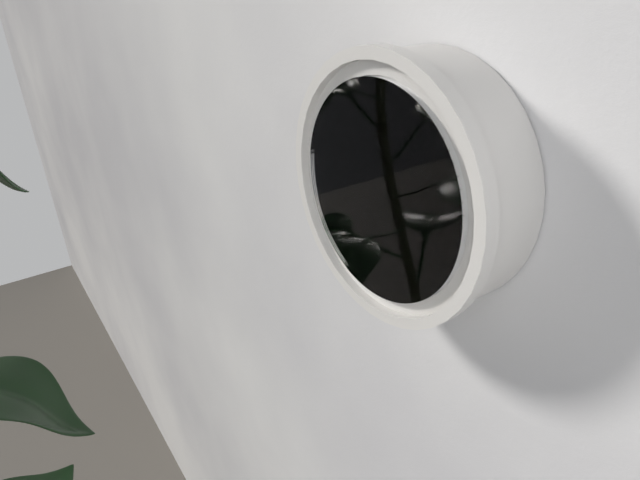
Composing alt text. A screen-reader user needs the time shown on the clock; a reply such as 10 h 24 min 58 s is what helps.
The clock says 6 h 27 min 08 s
